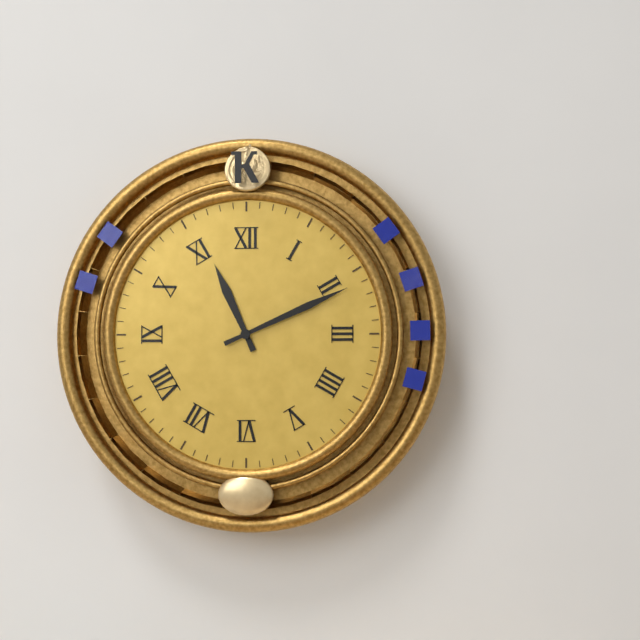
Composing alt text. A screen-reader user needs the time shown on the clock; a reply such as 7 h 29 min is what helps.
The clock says 11 h 11 min
